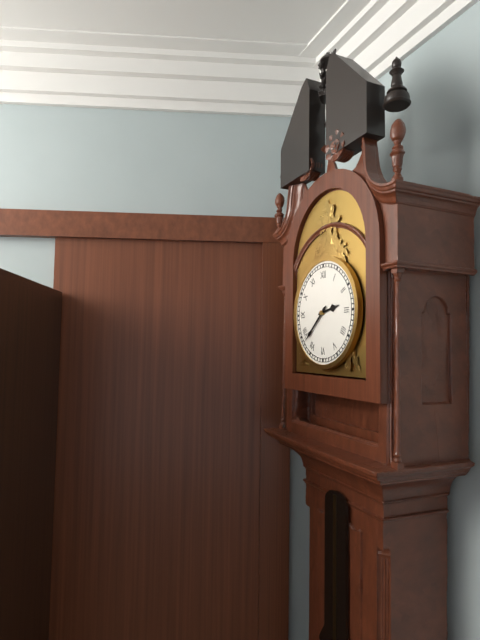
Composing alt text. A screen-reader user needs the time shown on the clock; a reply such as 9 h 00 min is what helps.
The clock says 2 h 38 min
